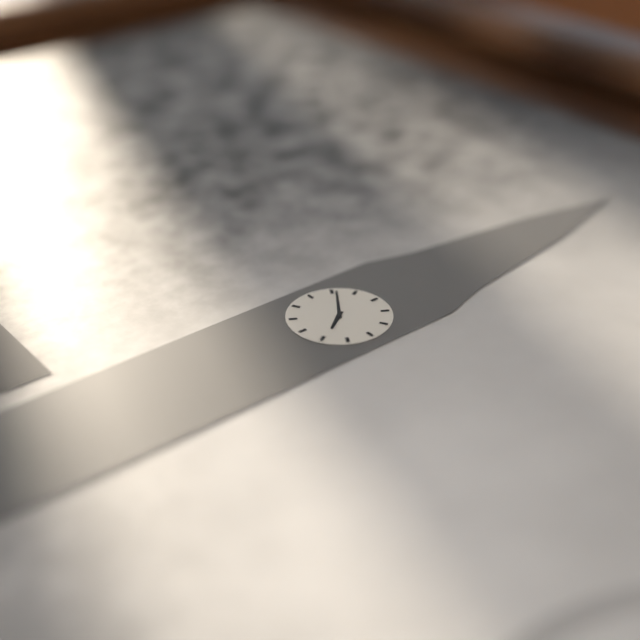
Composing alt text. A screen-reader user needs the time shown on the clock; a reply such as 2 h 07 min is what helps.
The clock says 4 h 51 min
